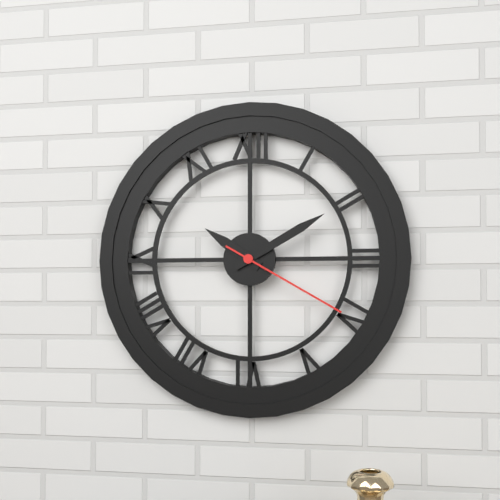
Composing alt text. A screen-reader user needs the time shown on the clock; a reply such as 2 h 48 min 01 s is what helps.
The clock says 10 h 10 min 20 s
